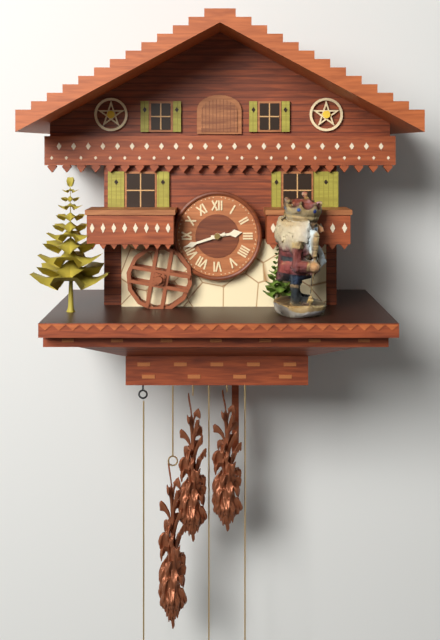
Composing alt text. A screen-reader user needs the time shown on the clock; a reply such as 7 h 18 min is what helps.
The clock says 2 h 42 min
